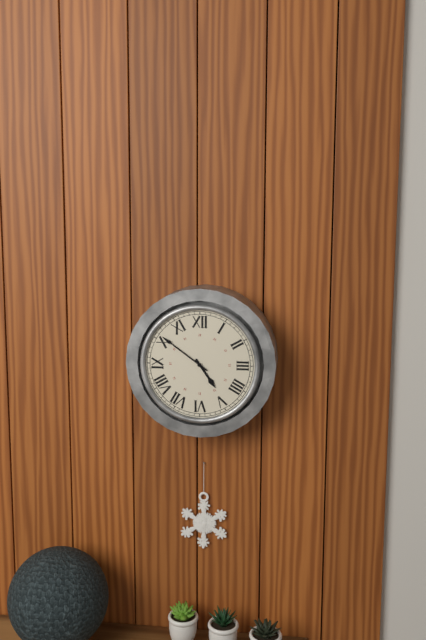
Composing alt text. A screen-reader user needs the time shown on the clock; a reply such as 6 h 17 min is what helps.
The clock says 4 h 51 min
